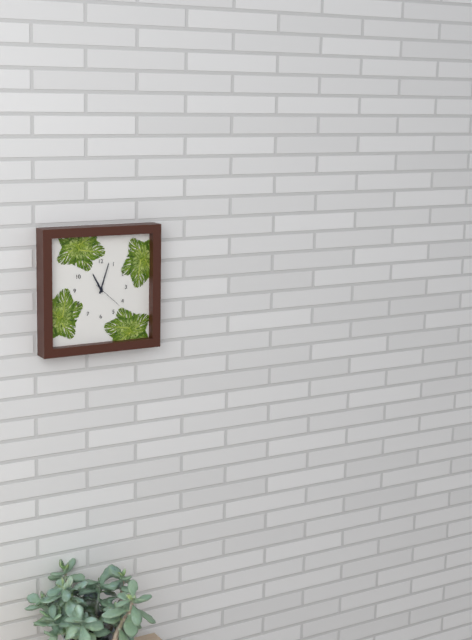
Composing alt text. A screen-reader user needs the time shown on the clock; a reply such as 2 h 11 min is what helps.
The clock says 11 h 03 min
